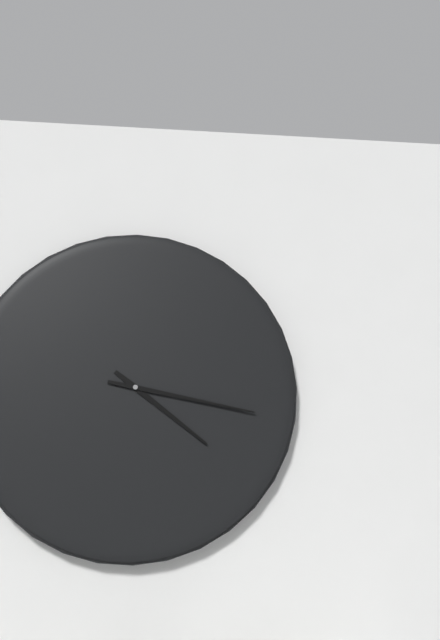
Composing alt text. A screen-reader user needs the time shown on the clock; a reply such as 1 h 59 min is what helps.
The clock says 4 h 17 min
